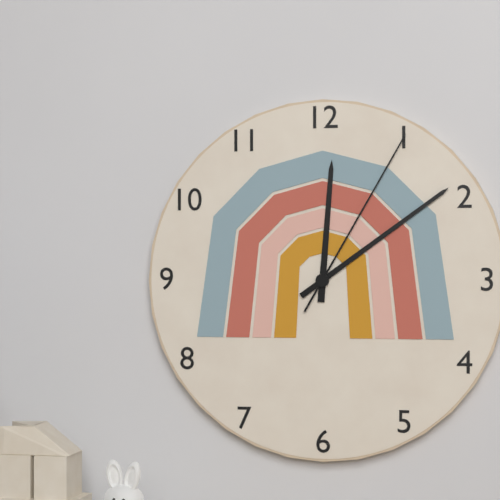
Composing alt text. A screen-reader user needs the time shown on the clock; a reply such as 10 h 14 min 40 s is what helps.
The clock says 12 h 09 min 05 s
